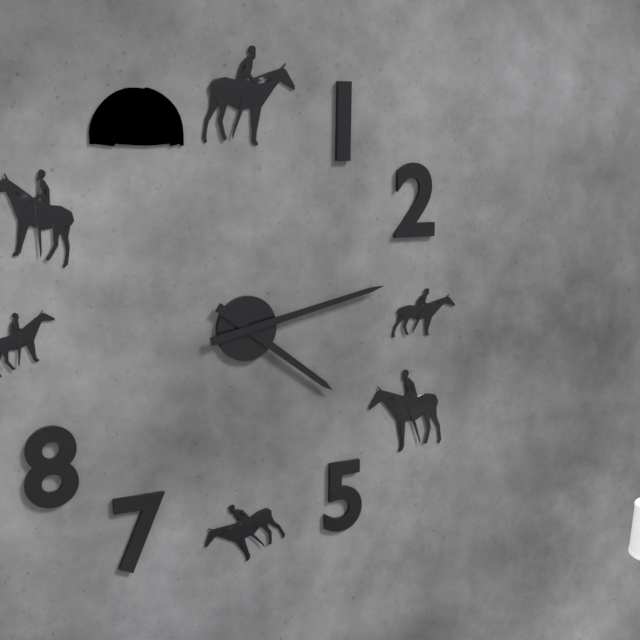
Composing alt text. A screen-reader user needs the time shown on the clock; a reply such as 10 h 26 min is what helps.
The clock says 4 h 13 min
